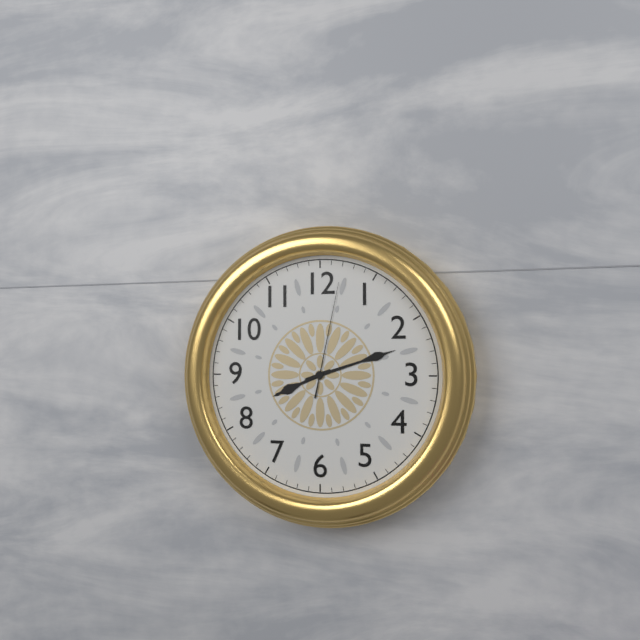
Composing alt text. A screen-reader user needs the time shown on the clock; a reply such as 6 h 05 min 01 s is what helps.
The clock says 8 h 12 min 02 s
